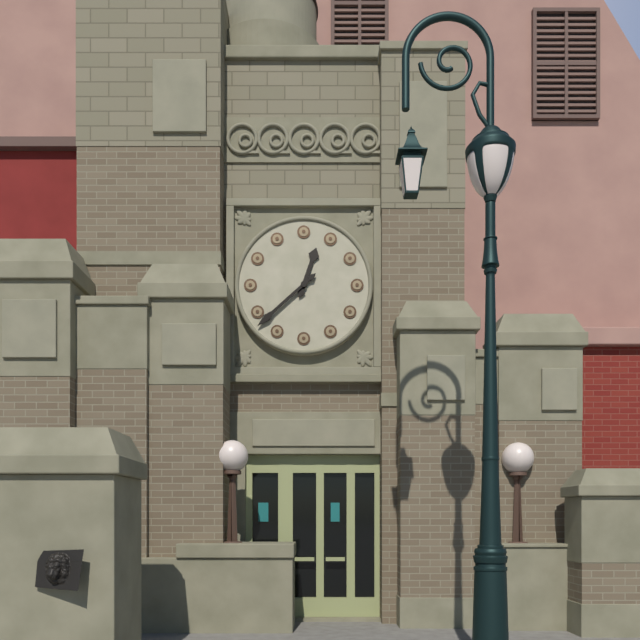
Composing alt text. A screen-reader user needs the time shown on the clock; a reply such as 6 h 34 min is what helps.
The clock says 12 h 38 min
